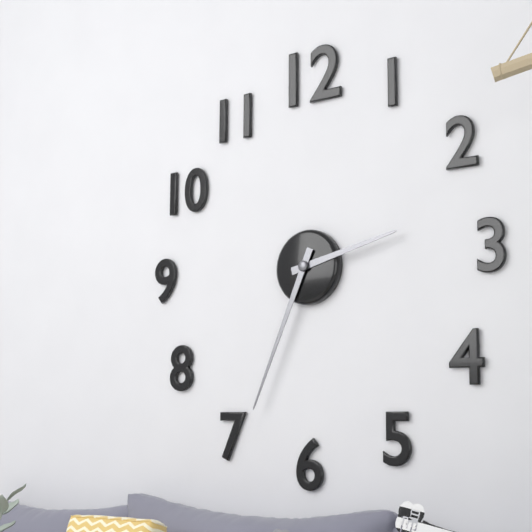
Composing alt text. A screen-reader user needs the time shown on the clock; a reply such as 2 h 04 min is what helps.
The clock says 2 h 34 min
